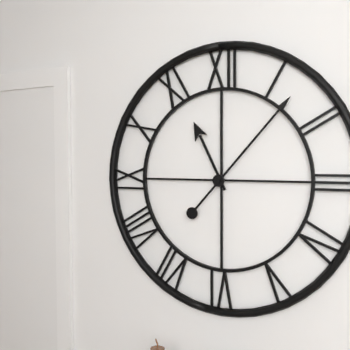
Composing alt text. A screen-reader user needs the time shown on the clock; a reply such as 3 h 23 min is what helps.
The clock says 11 h 07 min
